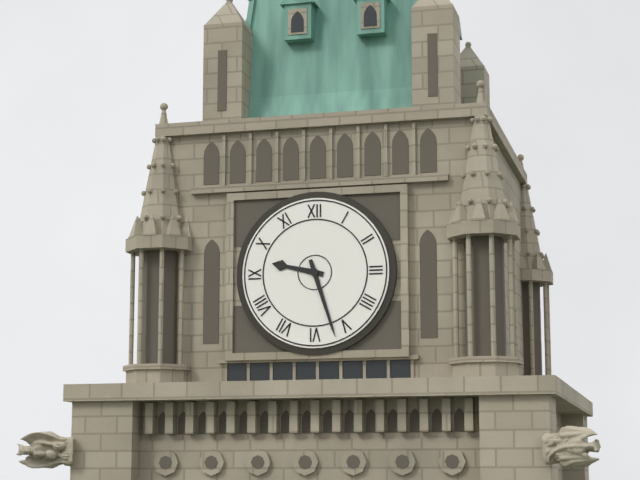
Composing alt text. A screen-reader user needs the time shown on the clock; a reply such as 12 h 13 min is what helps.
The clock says 9 h 27 min
